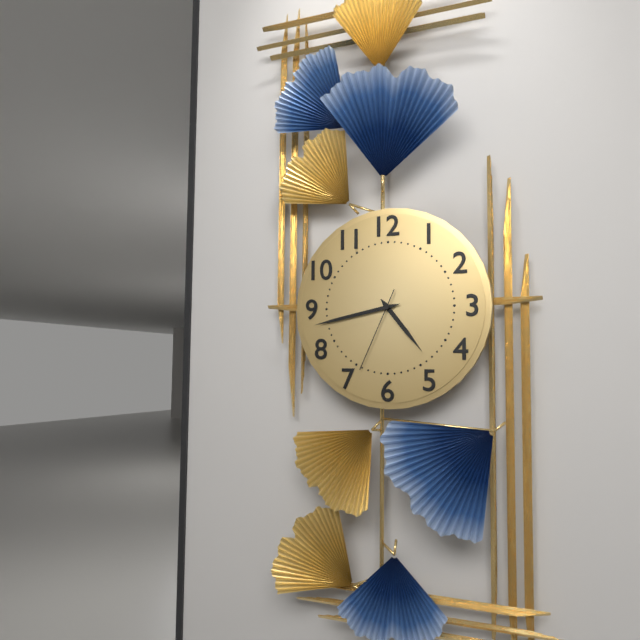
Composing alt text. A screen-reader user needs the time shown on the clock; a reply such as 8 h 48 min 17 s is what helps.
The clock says 4 h 43 min 34 s
